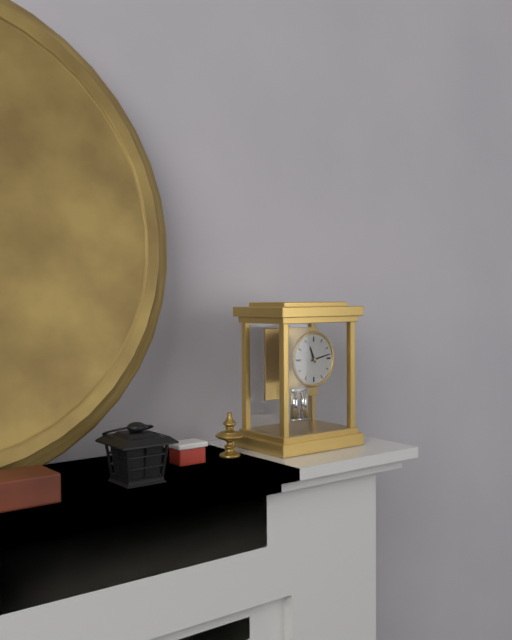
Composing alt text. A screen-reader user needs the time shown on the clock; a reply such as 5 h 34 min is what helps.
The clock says 11 h 13 min
